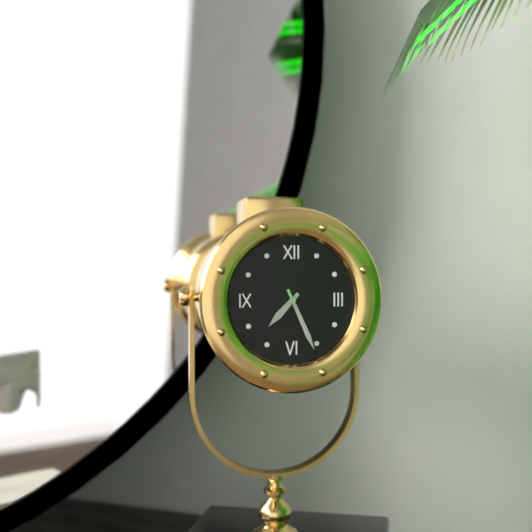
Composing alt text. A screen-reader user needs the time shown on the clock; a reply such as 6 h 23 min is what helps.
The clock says 7 h 26 min
